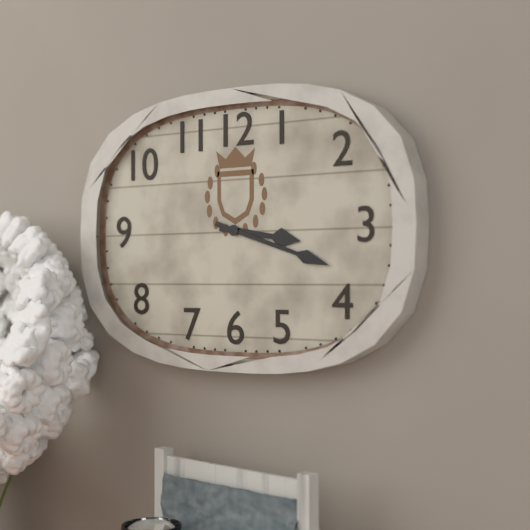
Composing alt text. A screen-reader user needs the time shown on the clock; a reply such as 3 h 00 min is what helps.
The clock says 3 h 18 min
